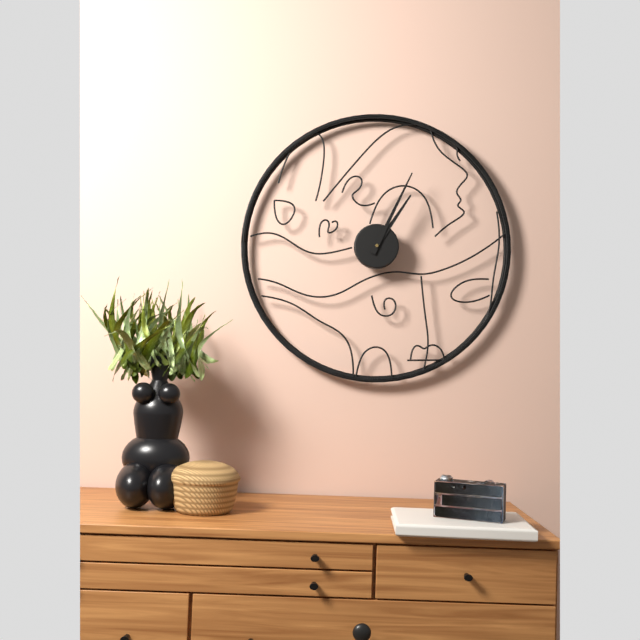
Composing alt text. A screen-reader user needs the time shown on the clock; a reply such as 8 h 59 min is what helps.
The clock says 1 h 04 min
